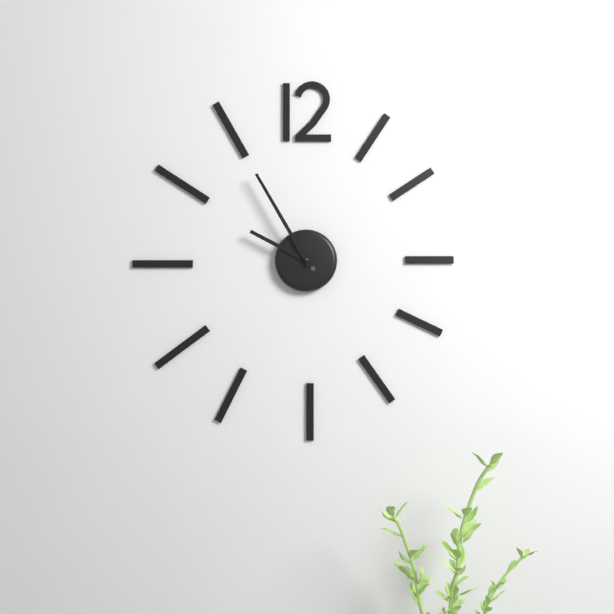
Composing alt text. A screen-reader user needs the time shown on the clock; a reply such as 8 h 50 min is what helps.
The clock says 9 h 55 min
